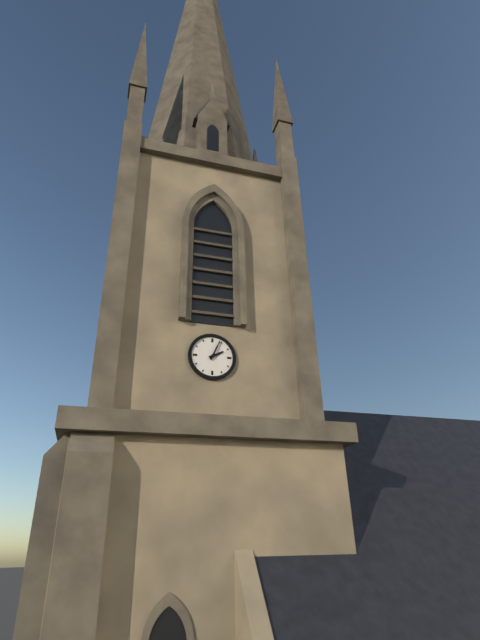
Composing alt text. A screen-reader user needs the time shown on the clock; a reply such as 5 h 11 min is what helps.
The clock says 2 h 04 min
